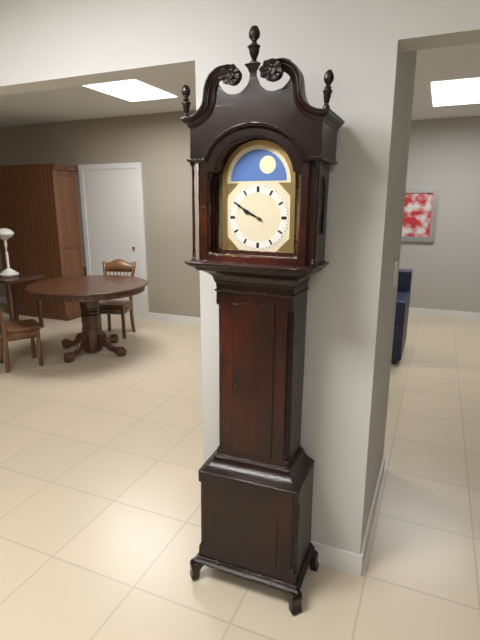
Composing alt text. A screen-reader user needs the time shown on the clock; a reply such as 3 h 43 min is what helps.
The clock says 9 h 50 min
